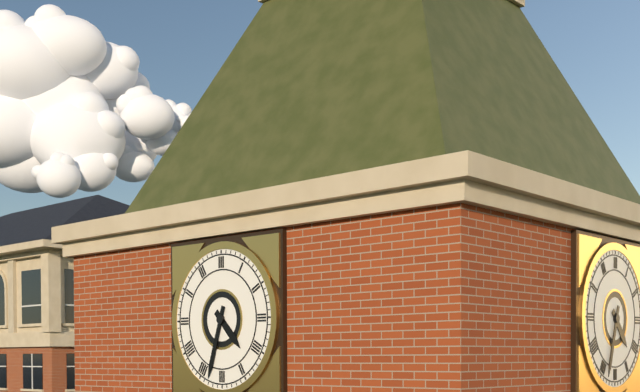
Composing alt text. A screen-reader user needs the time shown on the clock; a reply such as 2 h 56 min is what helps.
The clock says 4 h 33 min
